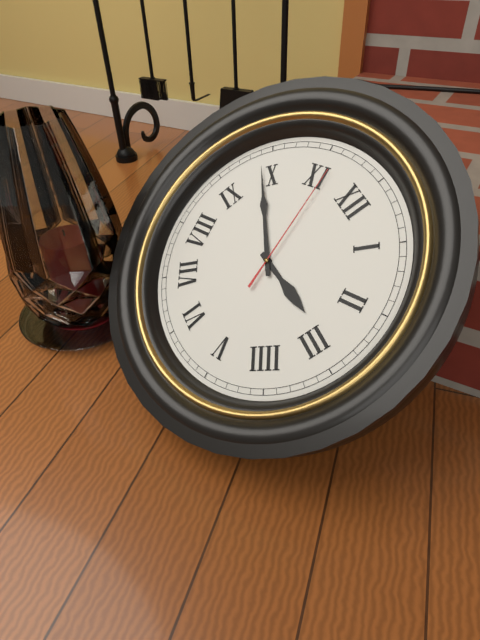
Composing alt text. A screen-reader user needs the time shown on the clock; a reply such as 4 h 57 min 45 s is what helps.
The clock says 2 h 49 min 56 s
